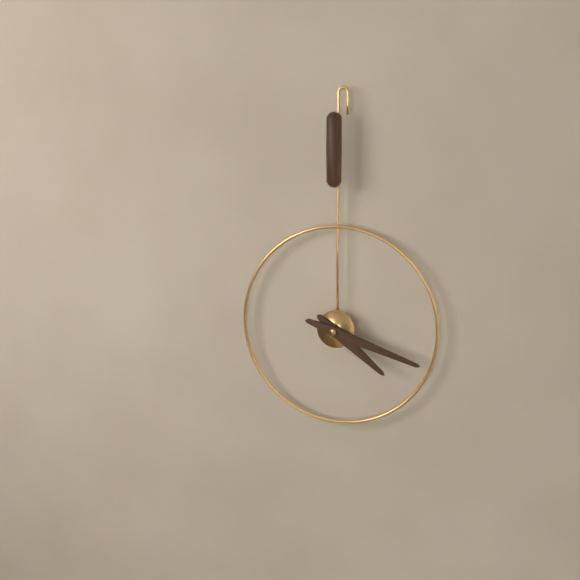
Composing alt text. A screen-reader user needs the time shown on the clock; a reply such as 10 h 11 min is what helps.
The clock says 4 h 18 min
